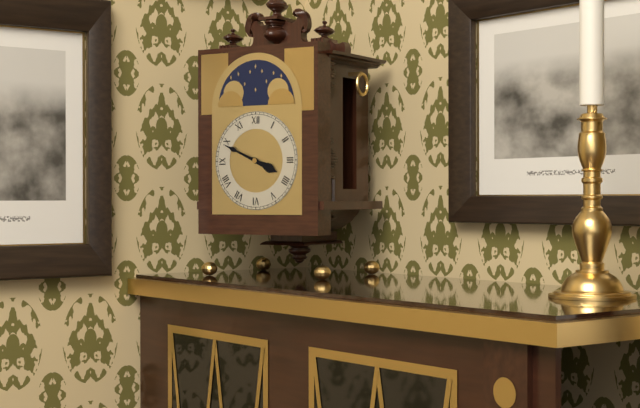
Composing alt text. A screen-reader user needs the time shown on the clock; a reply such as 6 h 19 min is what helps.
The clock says 3 h 49 min
